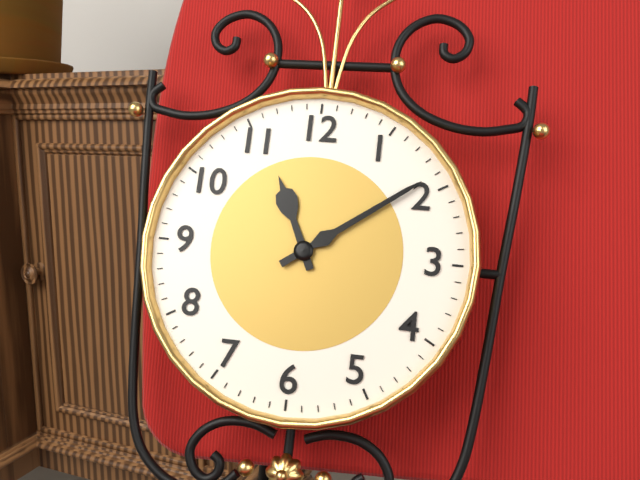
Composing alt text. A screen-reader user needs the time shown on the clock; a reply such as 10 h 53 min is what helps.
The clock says 11 h 09 min
